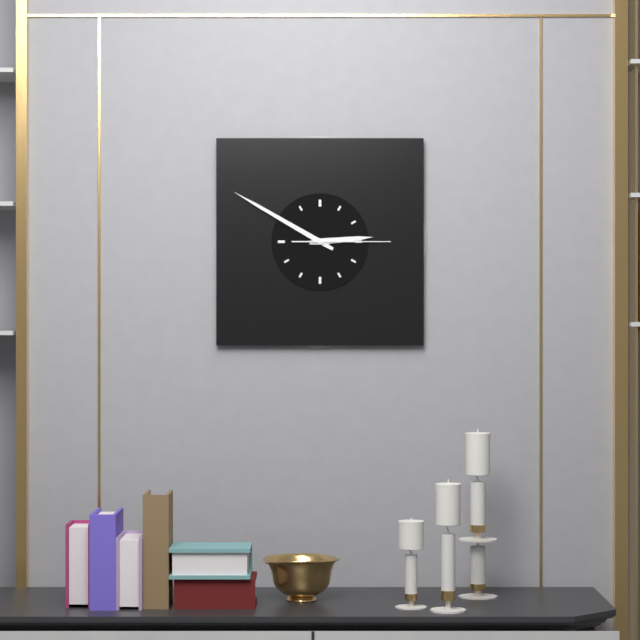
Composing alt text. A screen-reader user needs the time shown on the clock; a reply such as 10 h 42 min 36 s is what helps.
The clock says 2 h 50 min 15 s
